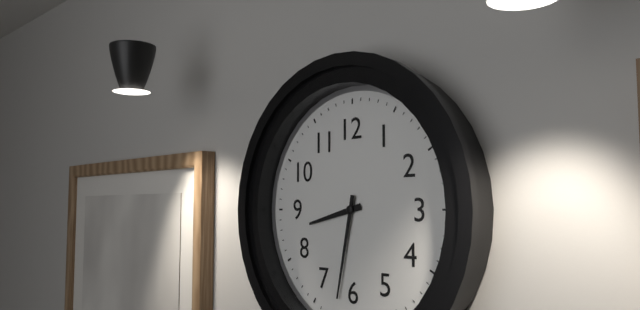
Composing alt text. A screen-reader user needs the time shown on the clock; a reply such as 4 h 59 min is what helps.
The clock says 8 h 32 min
